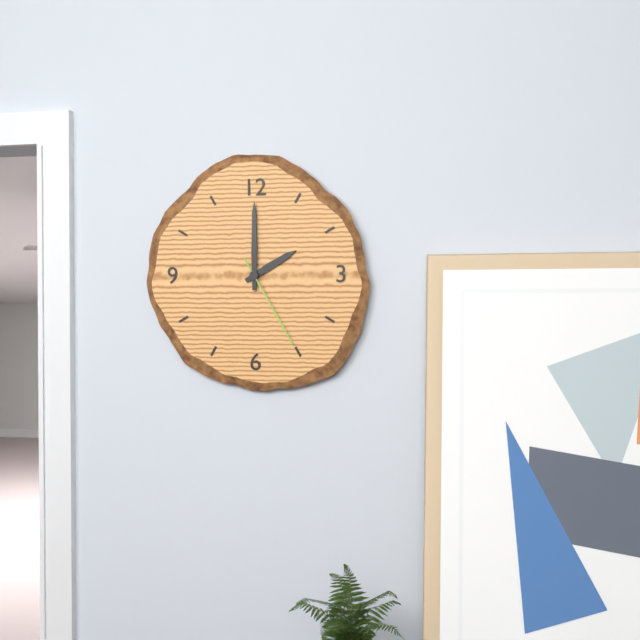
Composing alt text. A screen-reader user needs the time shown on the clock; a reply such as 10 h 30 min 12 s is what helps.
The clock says 2 h 00 min 25 s
